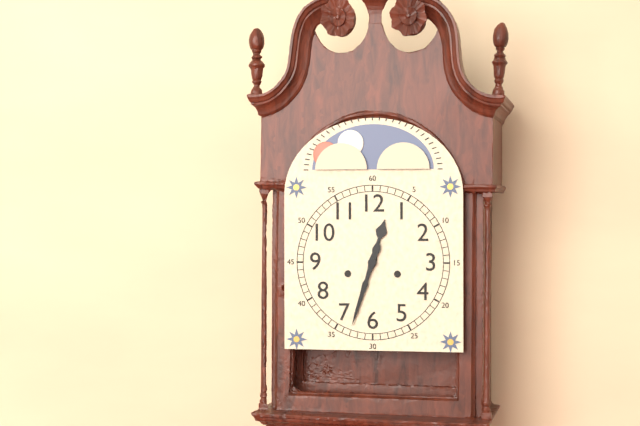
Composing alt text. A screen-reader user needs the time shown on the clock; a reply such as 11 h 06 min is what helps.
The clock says 12 h 33 min
